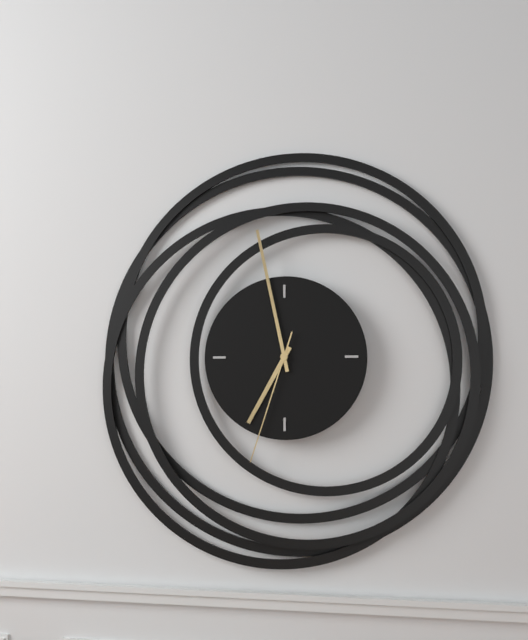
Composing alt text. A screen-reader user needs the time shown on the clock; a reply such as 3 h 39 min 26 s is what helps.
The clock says 6 h 58 min 33 s
